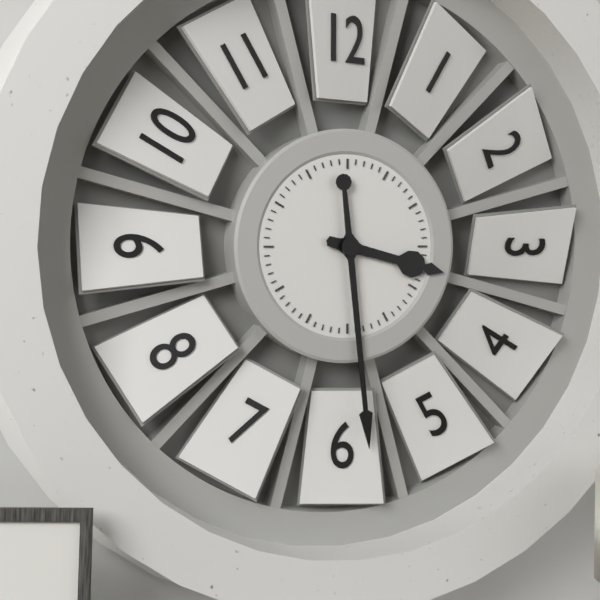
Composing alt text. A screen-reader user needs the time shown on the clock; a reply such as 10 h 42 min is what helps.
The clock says 3 h 29 min
